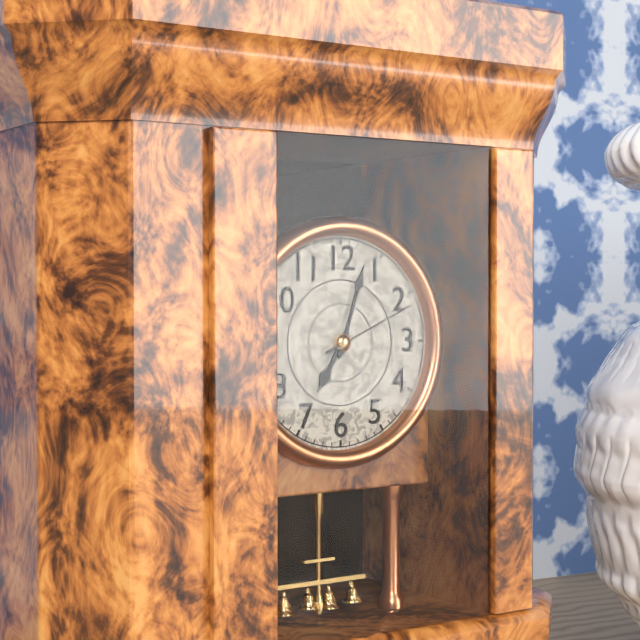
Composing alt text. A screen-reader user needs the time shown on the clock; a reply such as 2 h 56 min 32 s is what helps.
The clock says 7 h 03 min 11 s
